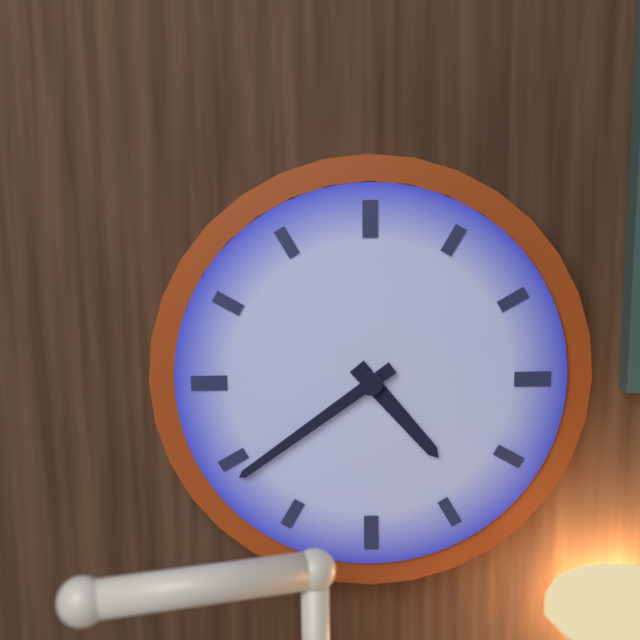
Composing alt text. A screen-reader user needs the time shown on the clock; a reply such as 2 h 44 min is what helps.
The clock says 4 h 39 min
